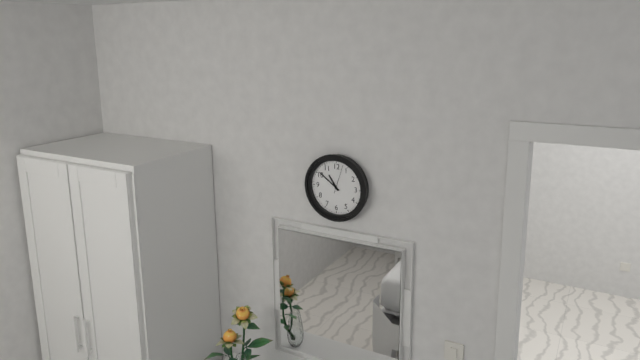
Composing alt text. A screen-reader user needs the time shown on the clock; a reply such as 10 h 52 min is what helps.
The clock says 10 h 51 min
